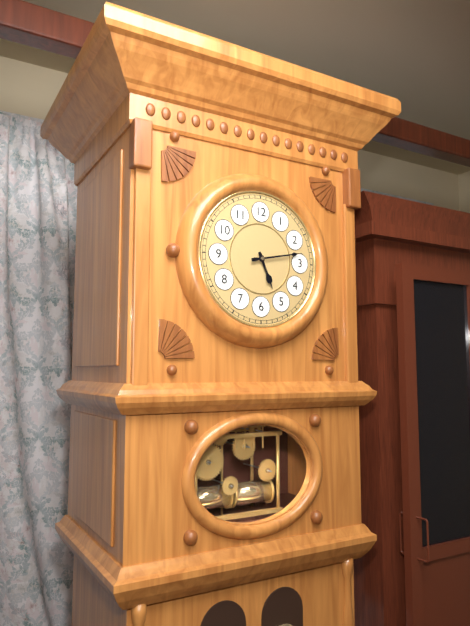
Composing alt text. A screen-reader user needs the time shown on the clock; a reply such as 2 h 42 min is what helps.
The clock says 5 h 13 min
